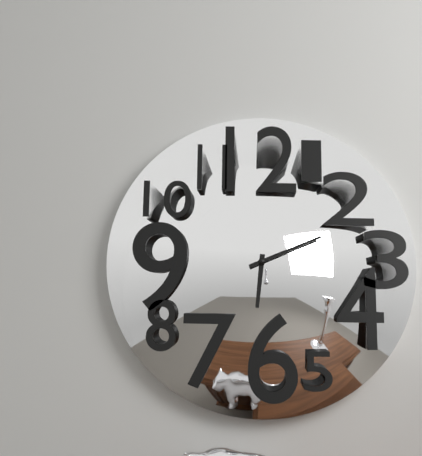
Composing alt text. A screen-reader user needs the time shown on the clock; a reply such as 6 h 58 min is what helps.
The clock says 6 h 11 min
